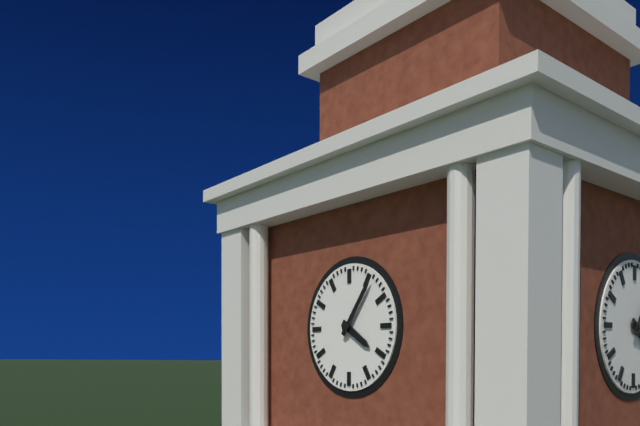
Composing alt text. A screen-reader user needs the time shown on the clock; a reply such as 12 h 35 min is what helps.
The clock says 4 h 06 min
